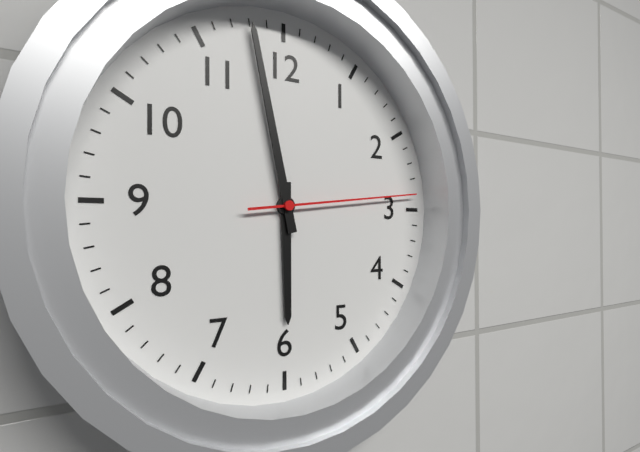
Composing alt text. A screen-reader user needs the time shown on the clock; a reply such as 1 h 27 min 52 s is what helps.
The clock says 5 h 58 min 14 s
